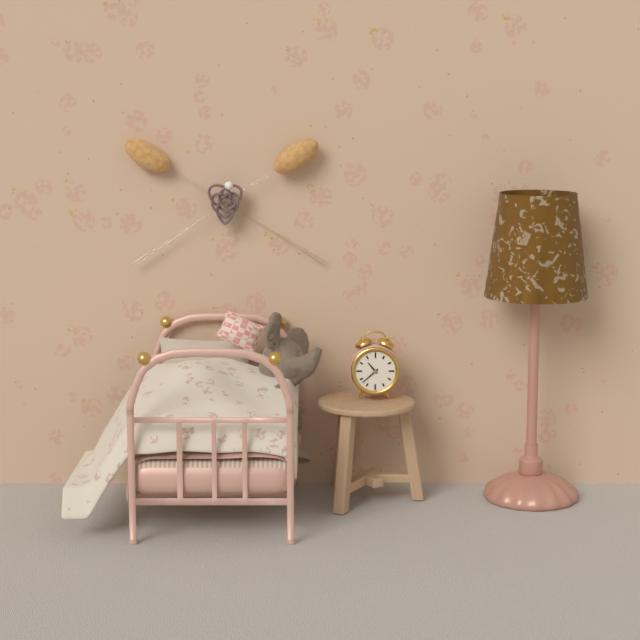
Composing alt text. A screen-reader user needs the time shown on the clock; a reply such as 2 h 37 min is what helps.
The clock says 10 h 38 min
